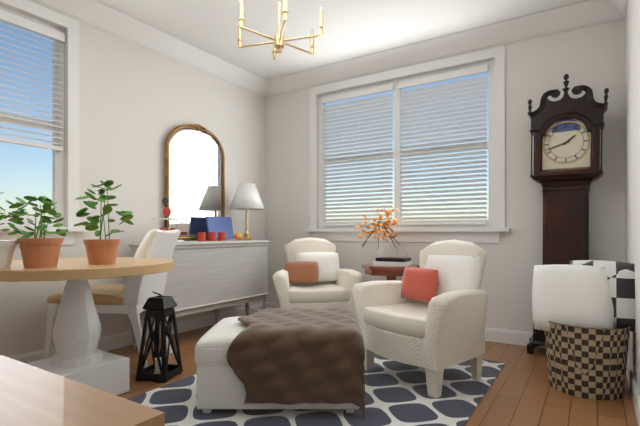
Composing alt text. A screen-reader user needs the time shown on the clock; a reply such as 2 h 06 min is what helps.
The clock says 1 h 42 min
